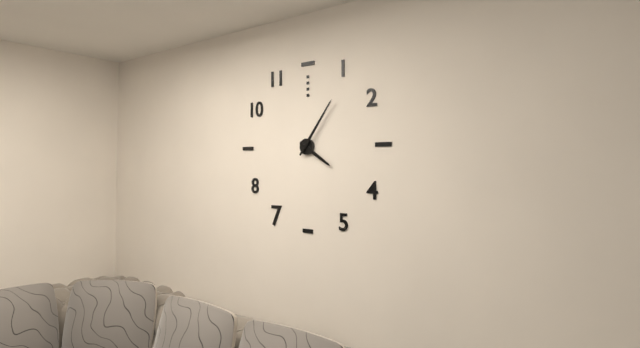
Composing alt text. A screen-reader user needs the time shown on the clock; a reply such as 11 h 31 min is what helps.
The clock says 4 h 06 min
